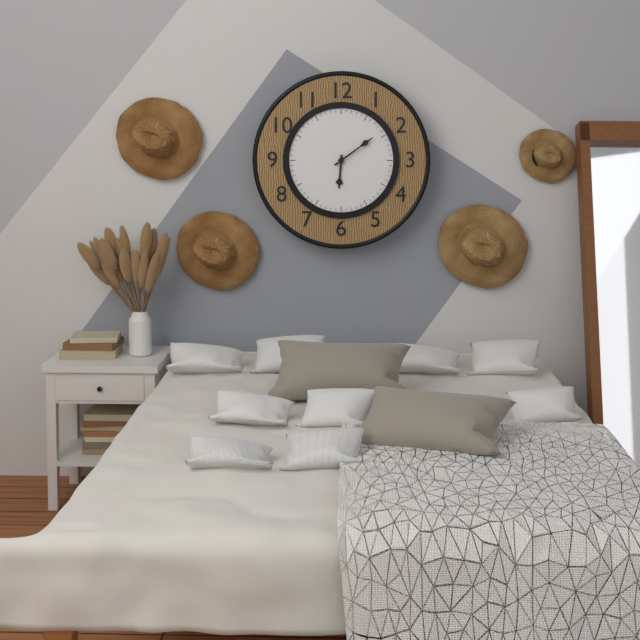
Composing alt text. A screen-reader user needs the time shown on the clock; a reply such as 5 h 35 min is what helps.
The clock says 6 h 09 min
